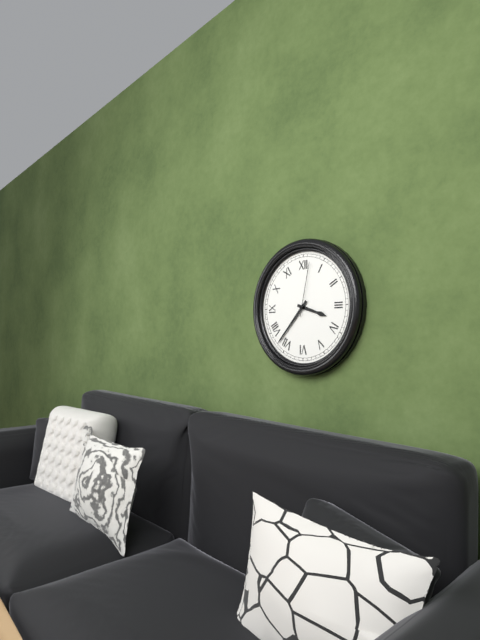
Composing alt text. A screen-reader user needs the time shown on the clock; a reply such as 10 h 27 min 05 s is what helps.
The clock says 3 h 37 min 02 s
